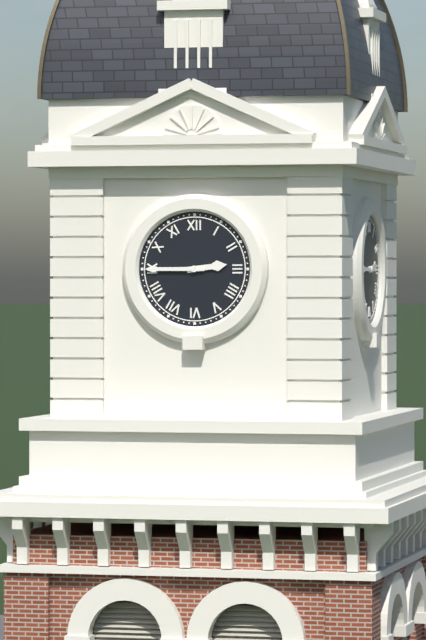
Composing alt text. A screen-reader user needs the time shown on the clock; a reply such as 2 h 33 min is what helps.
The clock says 2 h 45 min
